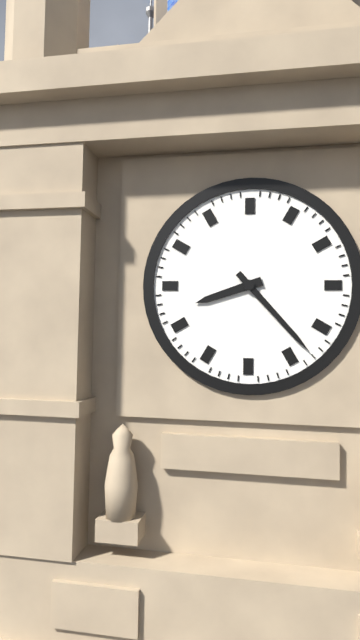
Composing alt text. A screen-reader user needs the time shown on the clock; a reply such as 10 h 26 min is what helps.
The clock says 8 h 23 min
